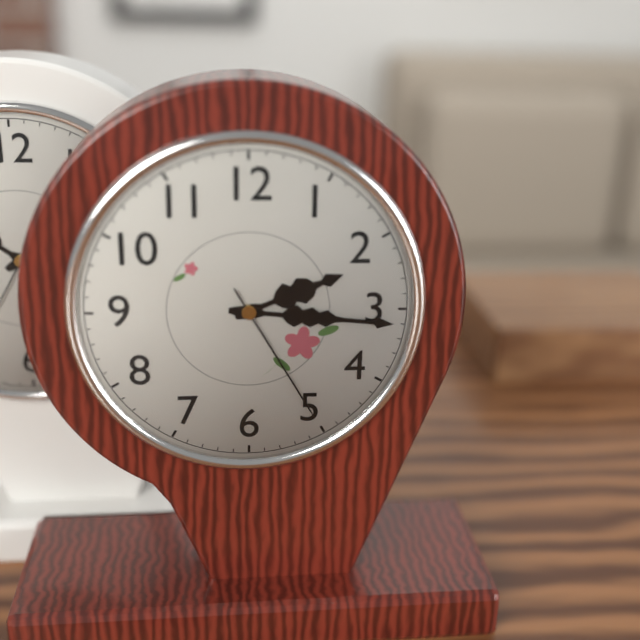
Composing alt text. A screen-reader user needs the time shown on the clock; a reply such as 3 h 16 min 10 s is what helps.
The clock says 2 h 16 min 25 s
